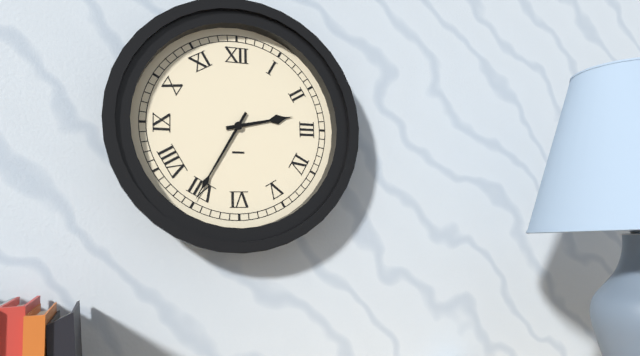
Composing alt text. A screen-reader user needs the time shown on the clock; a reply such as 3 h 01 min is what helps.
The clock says 2 h 35 min
